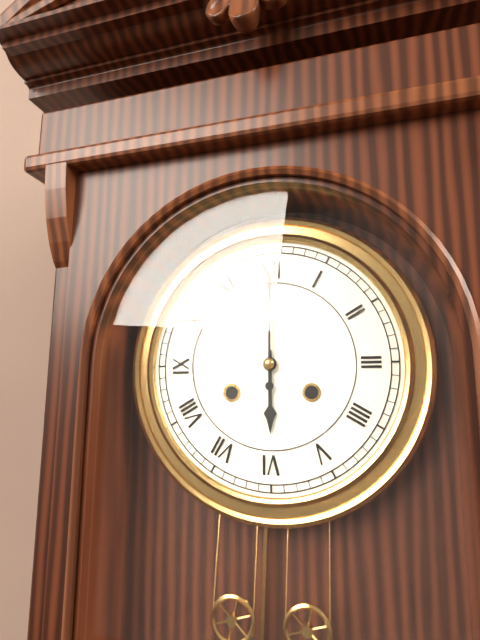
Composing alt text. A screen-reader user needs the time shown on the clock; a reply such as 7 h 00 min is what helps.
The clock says 6 h 00 min
